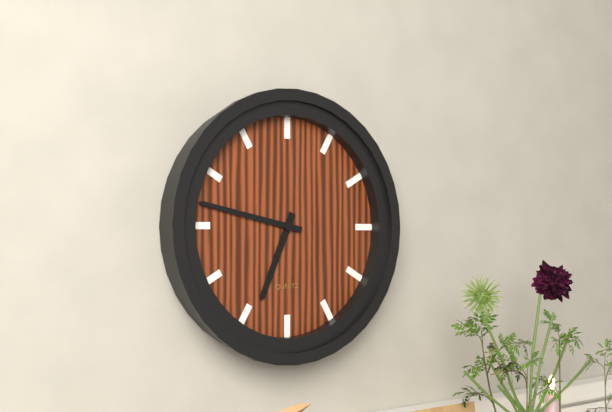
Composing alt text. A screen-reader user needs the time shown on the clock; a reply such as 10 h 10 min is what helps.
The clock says 6 h 47 min
